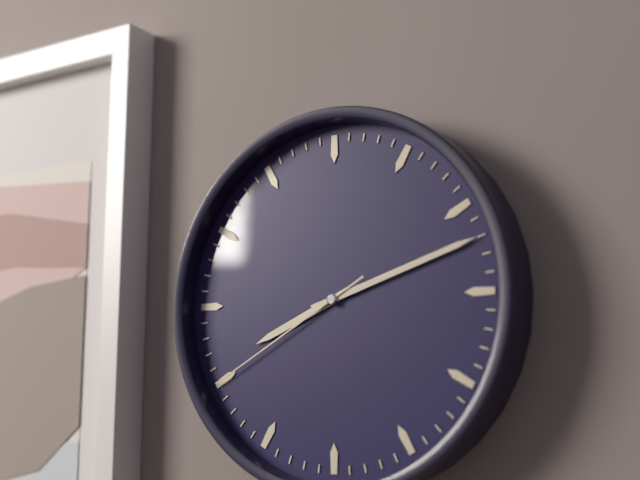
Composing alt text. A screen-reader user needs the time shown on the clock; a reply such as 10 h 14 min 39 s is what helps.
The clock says 8 h 12 min 40 s
